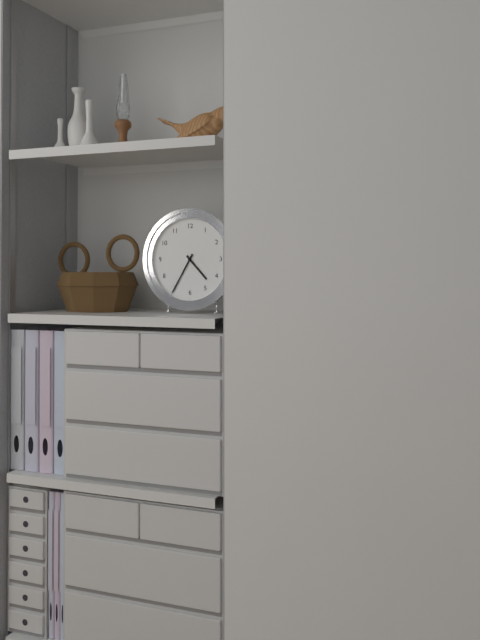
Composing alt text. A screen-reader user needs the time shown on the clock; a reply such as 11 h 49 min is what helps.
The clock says 4 h 35 min
